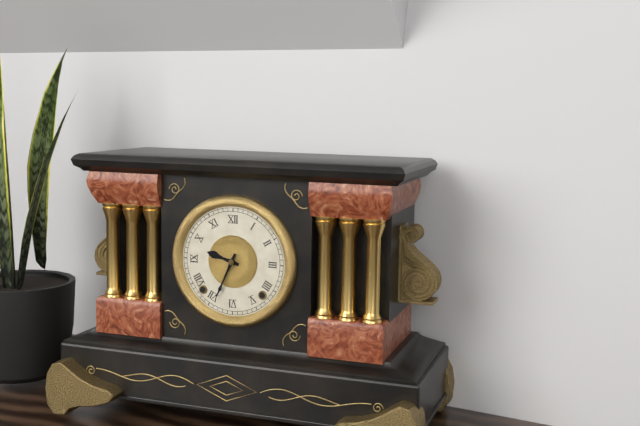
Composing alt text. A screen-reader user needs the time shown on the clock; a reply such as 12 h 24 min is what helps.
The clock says 9 h 34 min
